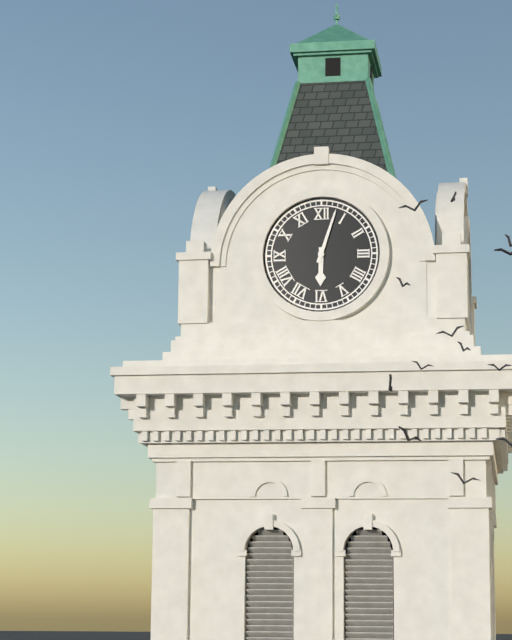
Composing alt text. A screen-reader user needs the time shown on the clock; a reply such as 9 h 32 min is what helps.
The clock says 6 h 03 min
